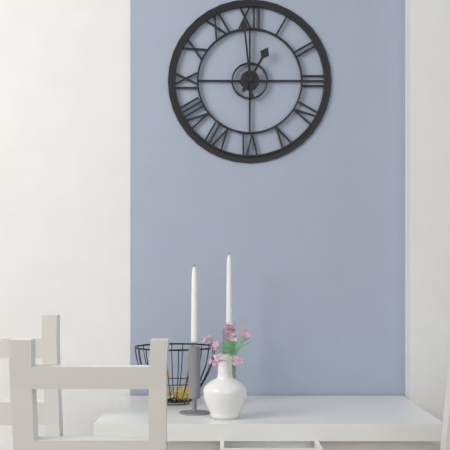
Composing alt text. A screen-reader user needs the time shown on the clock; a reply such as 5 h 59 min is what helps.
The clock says 12 h 59 min
